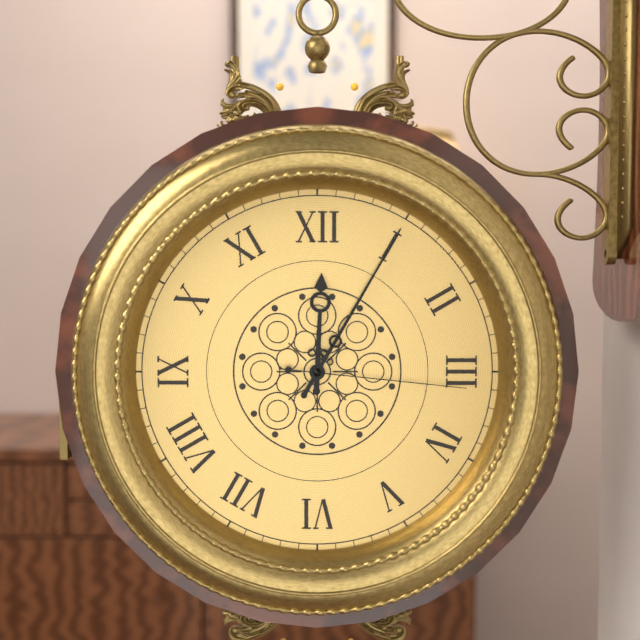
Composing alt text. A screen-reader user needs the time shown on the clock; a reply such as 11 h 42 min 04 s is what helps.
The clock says 12 h 05 min 16 s
